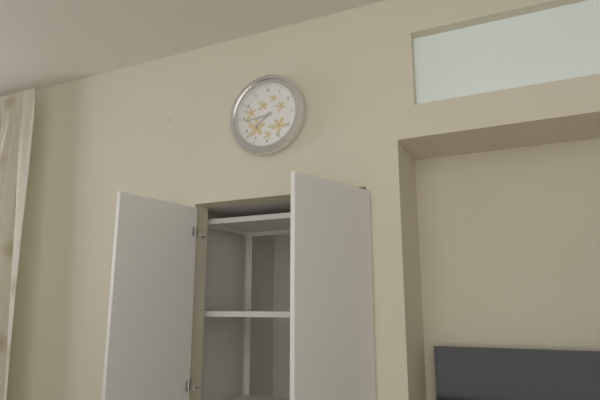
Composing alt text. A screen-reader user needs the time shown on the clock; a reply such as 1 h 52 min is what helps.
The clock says 7 h 44 min
